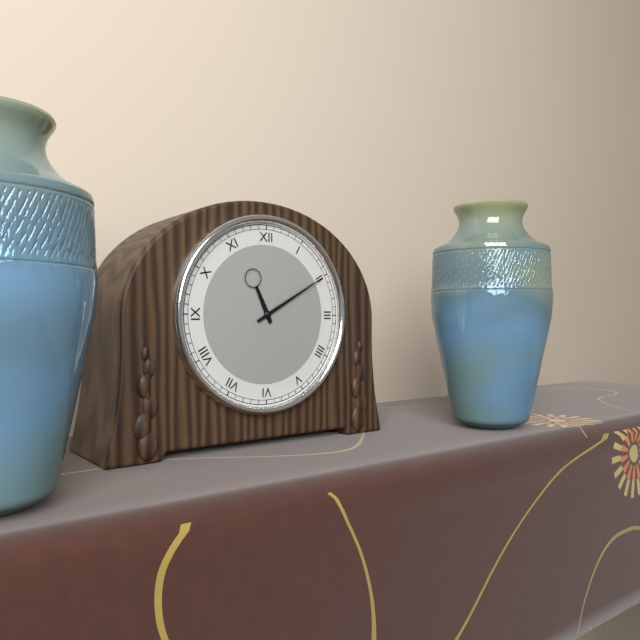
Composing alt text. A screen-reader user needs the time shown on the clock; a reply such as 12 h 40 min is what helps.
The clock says 11 h 10 min
